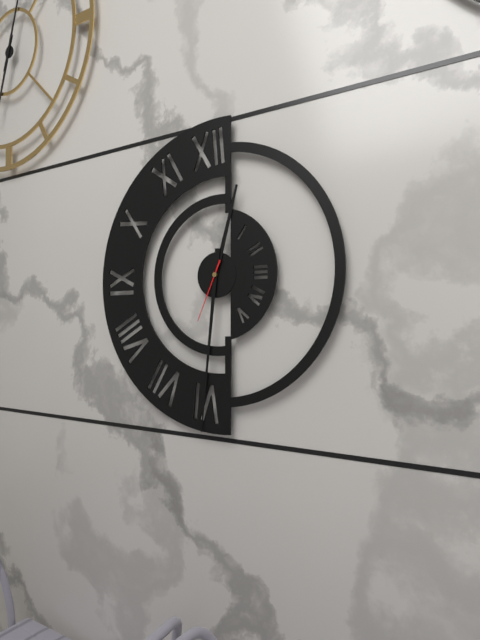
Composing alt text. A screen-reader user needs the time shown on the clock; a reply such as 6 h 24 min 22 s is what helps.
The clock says 12 h 31 min 34 s
